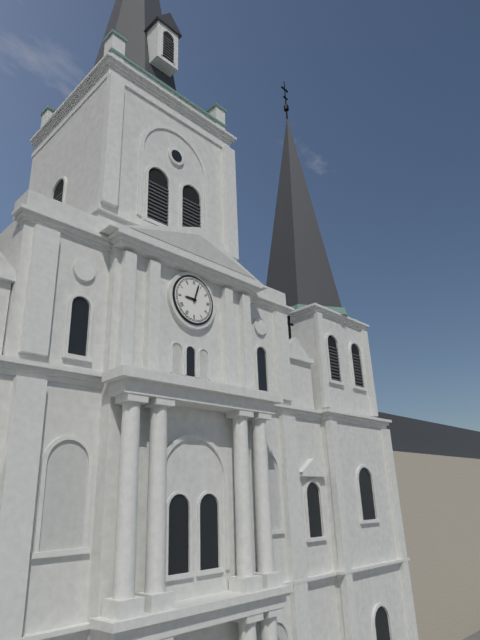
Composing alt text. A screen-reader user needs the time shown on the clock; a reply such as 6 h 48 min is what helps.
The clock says 9 h 03 min
